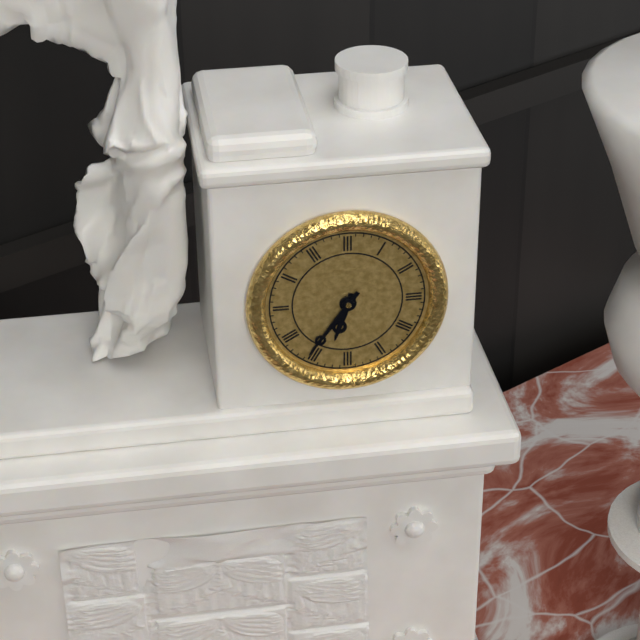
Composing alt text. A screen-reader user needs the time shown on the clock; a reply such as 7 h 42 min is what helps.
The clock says 6 h 36 min
